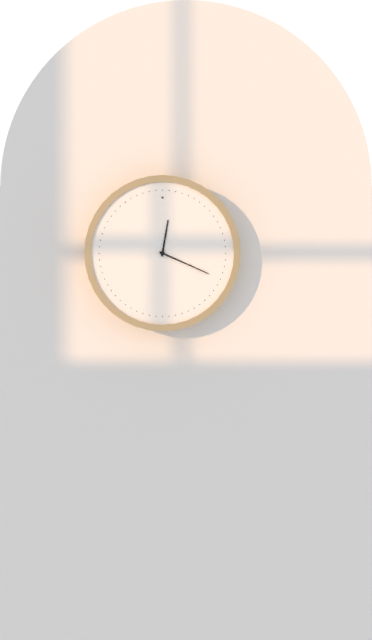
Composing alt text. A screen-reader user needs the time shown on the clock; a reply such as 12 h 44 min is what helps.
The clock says 12 h 19 min
